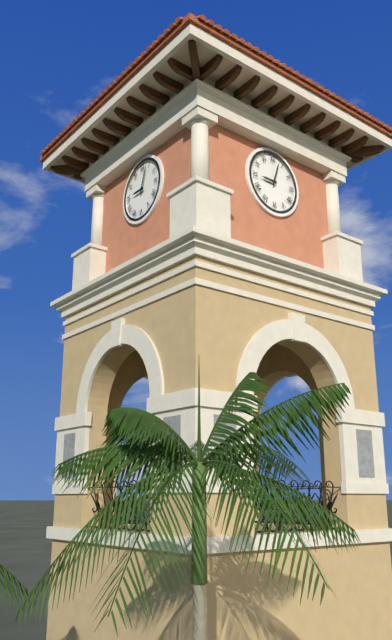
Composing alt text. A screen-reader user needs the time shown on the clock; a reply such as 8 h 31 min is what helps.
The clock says 9 h 03 min
